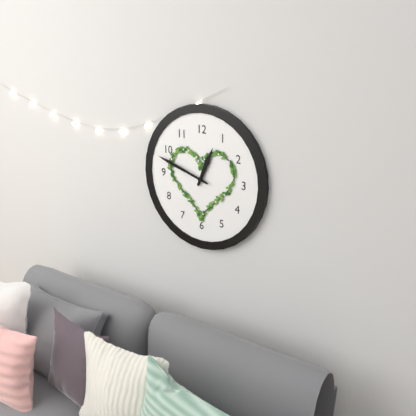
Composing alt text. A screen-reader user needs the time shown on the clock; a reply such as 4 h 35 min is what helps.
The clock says 12 h 48 min
